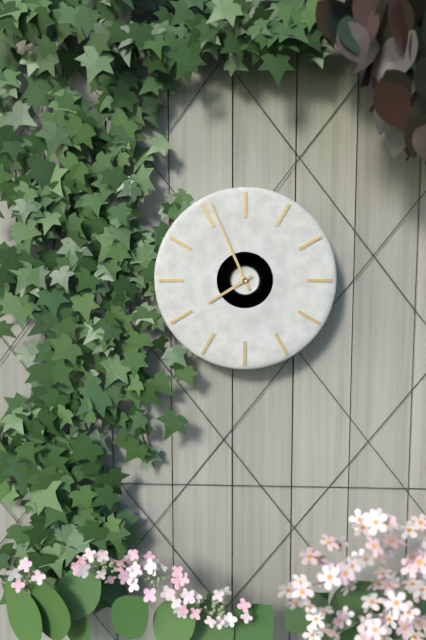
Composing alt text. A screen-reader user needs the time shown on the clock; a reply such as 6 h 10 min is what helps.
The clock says 7 h 56 min
